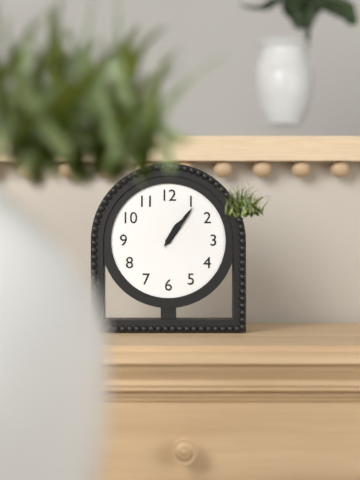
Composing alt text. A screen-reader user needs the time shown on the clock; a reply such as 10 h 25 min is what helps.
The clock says 1 h 06 min
